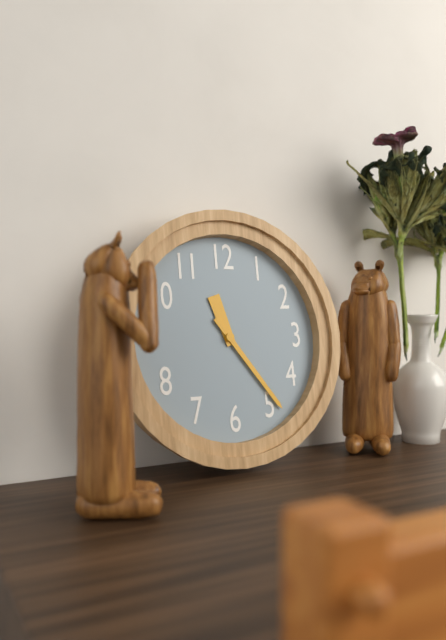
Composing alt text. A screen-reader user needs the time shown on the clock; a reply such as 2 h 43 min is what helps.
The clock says 11 h 24 min
